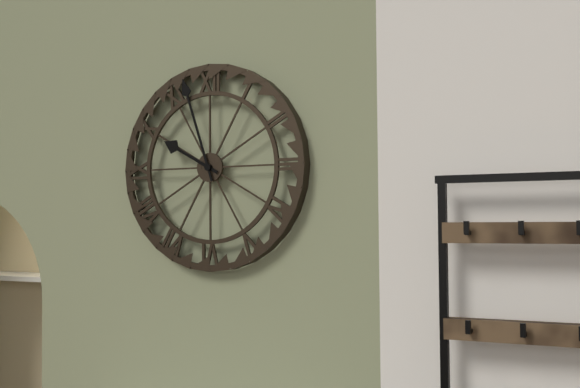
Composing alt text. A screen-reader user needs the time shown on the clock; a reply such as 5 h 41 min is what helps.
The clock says 9 h 57 min
